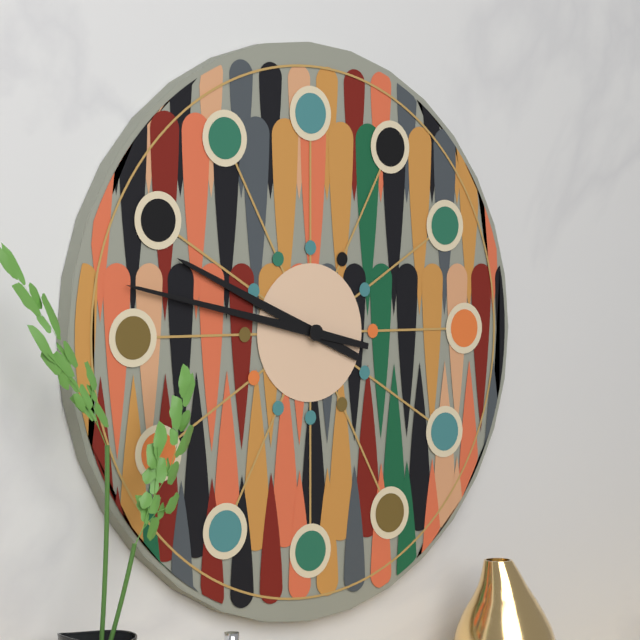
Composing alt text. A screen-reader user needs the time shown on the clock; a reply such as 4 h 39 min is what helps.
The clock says 9 h 47 min
